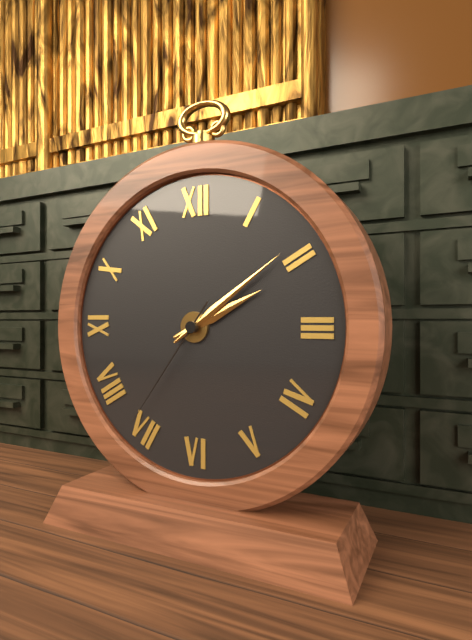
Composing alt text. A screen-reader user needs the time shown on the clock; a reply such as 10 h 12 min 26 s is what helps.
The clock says 2 h 09 min 36 s
